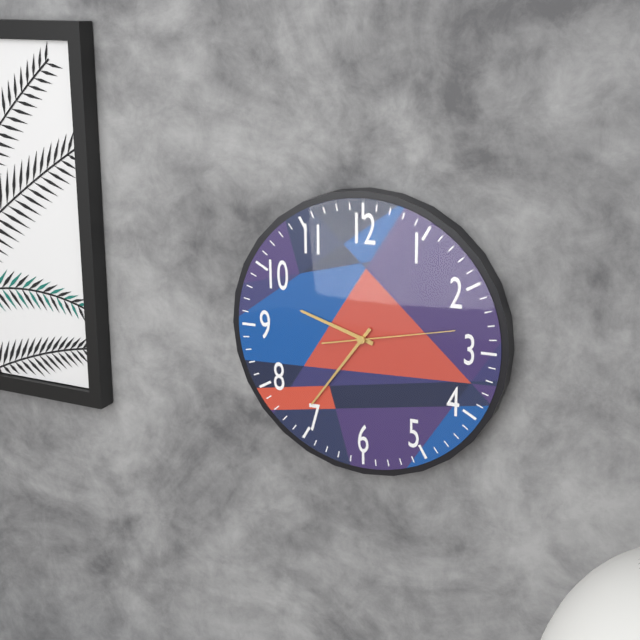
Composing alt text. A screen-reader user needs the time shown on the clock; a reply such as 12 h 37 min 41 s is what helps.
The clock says 9 h 36 min 13 s
